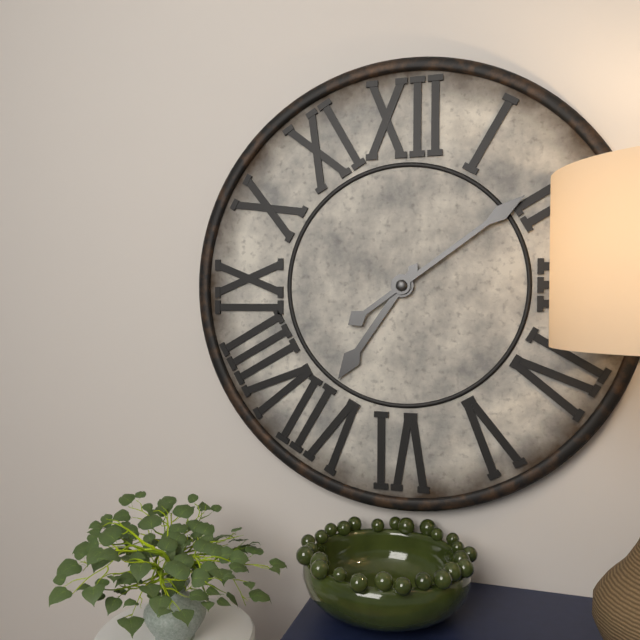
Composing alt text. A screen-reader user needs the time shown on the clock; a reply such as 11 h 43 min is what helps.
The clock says 7 h 09 min
